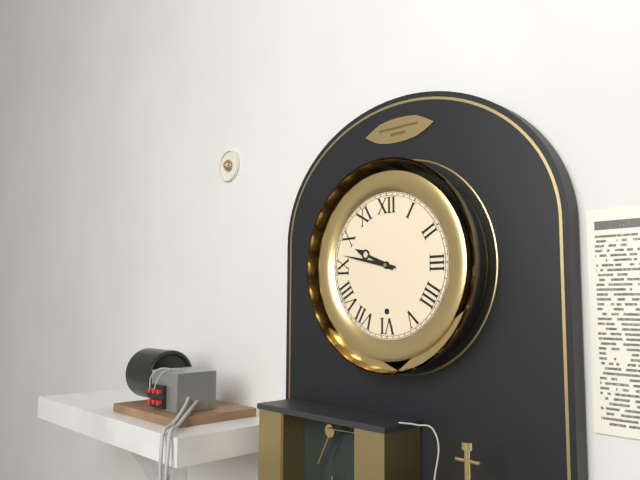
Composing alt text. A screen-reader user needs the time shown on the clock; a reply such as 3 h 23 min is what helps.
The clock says 9 h 47 min
